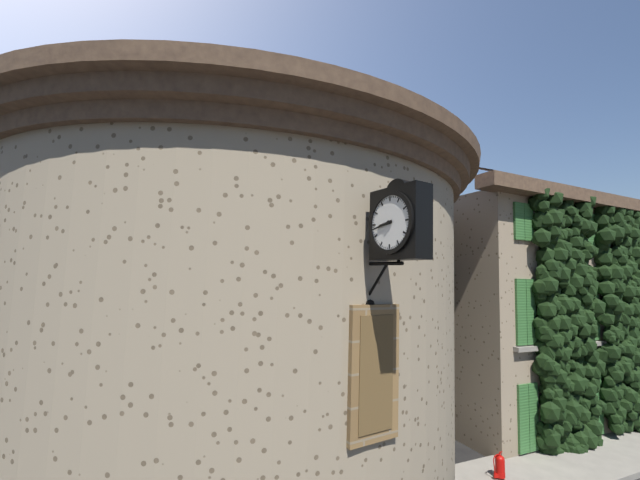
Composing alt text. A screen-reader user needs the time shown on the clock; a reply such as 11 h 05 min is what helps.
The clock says 8 h 43 min
